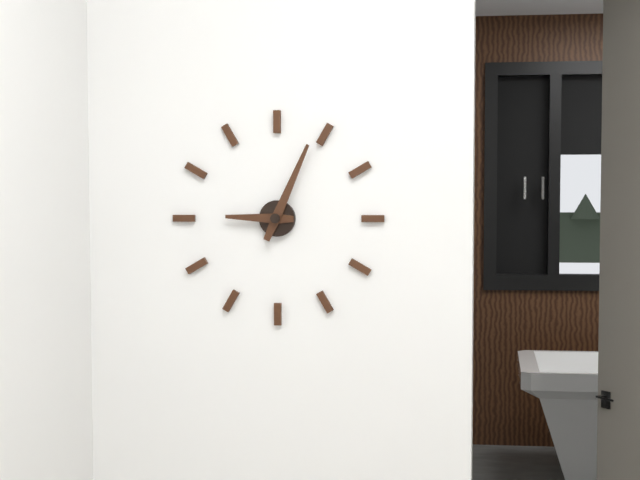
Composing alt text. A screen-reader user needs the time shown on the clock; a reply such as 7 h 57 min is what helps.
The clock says 9 h 04 min
